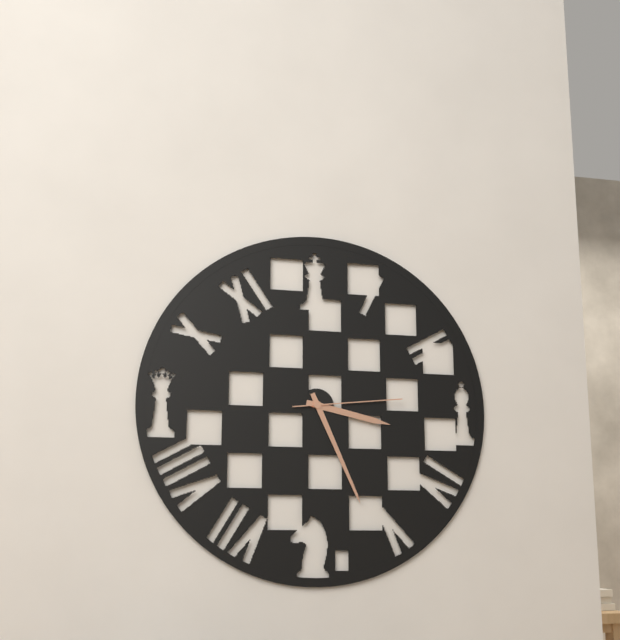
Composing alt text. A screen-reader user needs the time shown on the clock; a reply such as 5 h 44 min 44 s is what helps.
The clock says 3 h 26 min 14 s
